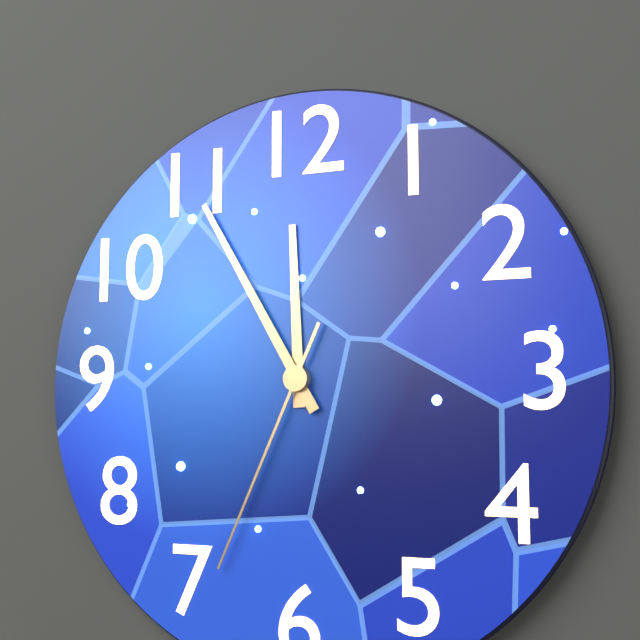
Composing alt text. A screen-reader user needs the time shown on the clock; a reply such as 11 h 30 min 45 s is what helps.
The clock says 11 h 55 min 34 s
